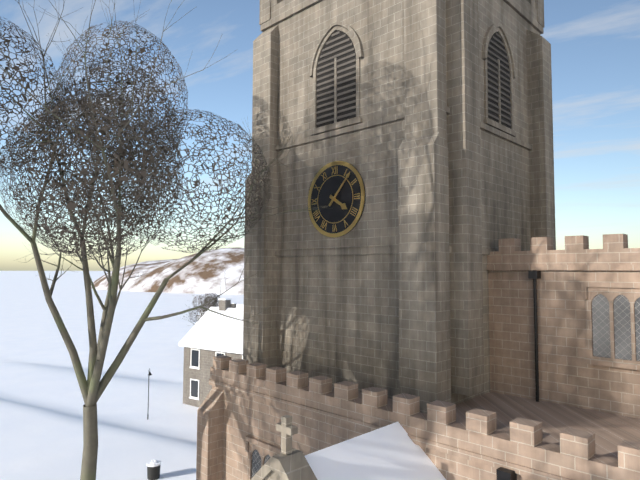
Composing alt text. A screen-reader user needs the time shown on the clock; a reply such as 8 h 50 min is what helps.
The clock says 4 h 07 min
